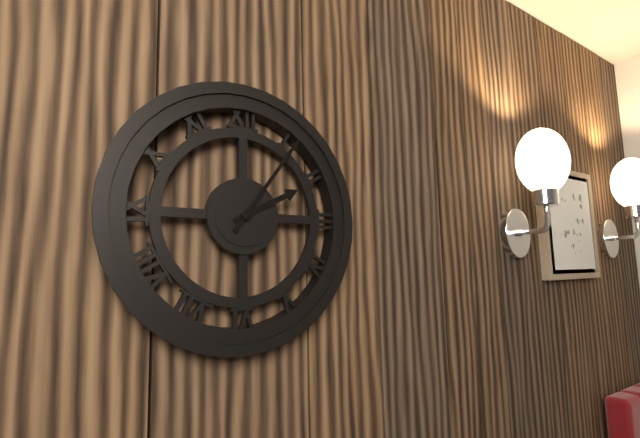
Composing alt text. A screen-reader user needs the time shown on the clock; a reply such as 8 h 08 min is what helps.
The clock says 2 h 06 min
